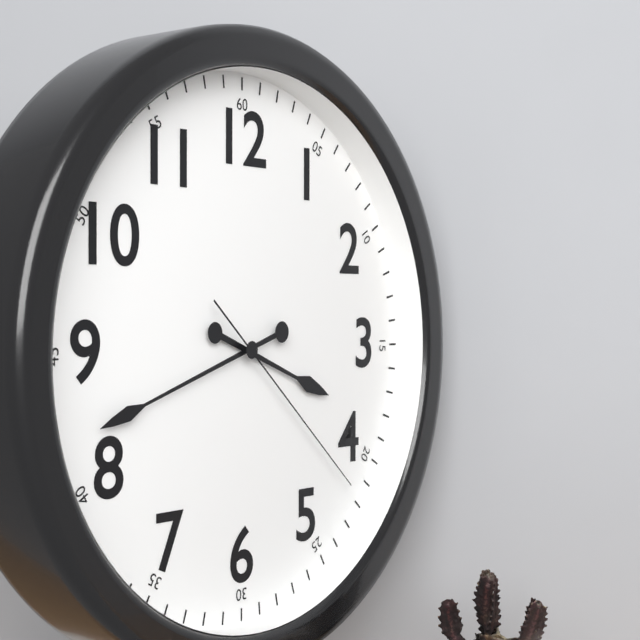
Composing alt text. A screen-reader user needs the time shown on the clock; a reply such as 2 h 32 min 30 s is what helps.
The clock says 3 h 42 min 22 s
